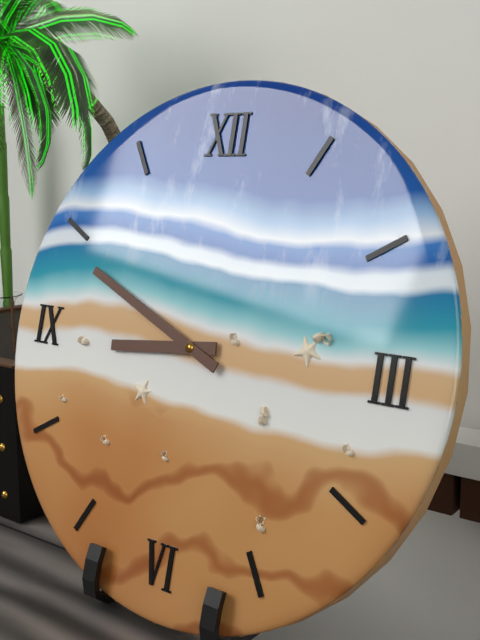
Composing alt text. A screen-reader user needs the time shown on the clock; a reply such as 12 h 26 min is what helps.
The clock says 8 h 49 min
